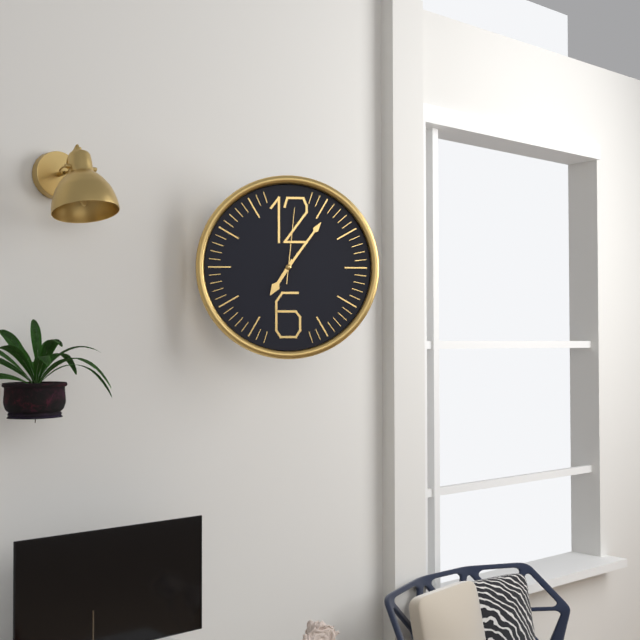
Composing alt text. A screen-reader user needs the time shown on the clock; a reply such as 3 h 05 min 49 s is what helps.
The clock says 7 h 06 min 01 s
